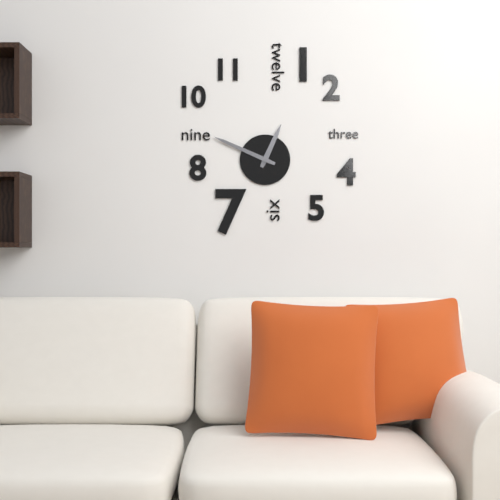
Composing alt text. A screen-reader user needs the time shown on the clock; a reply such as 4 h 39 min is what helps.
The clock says 12 h 49 min
